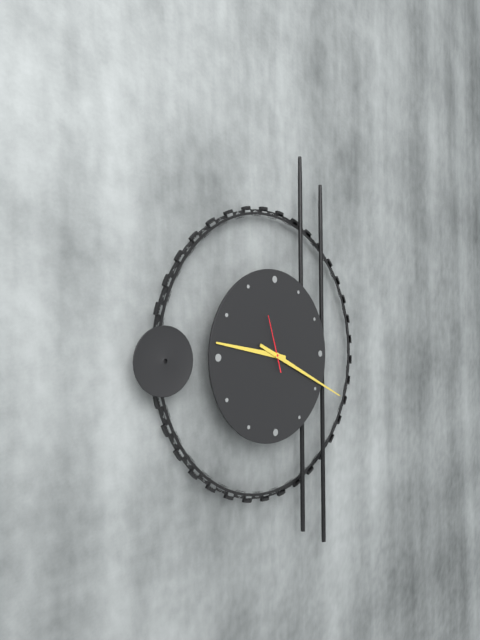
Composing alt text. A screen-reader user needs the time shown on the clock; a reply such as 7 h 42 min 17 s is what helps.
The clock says 9 h 19 min 57 s
